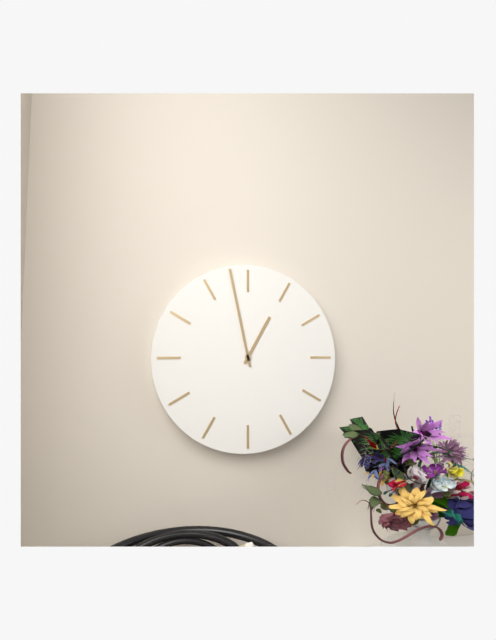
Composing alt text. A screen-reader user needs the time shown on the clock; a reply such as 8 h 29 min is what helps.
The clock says 12 h 58 min
